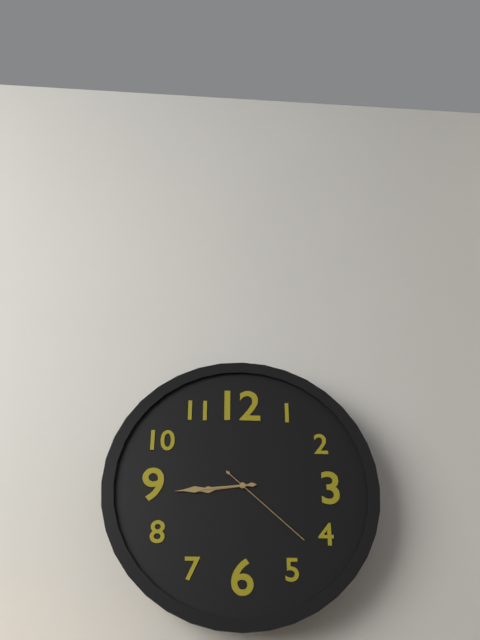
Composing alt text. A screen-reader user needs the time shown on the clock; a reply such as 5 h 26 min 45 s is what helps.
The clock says 8 h 44 min 22 s
